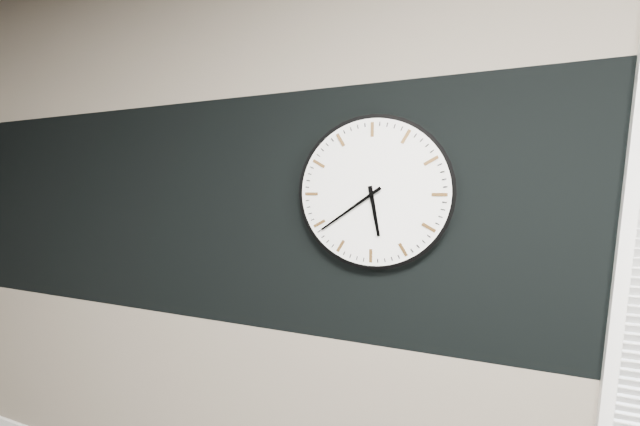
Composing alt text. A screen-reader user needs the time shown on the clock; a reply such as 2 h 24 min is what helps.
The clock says 5 h 39 min
